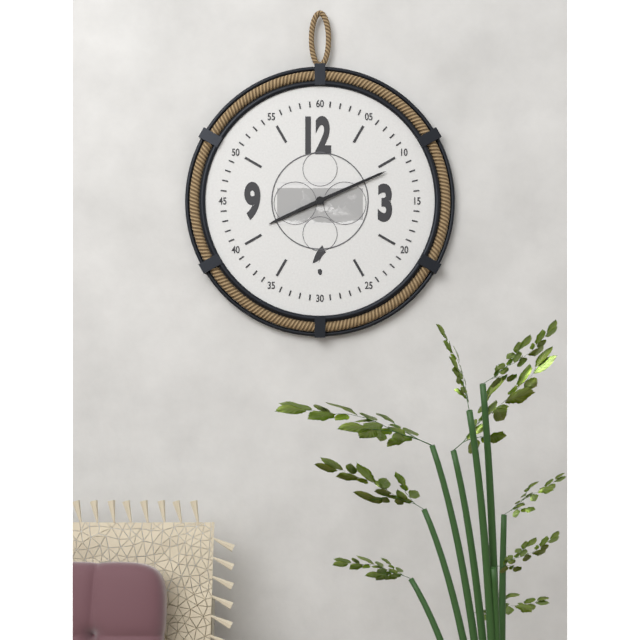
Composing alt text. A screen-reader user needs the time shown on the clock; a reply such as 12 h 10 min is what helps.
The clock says 8 h 11 min
